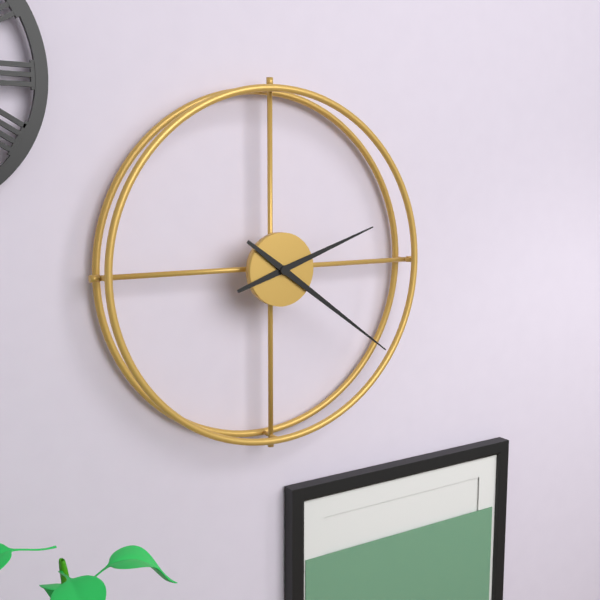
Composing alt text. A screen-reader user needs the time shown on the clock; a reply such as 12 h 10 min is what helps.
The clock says 2 h 21 min
